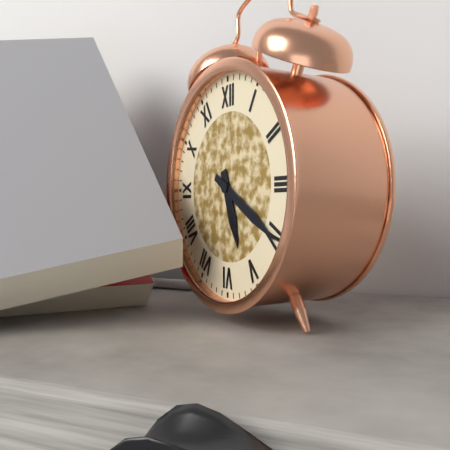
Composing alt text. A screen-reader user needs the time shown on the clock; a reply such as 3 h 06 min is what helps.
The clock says 5 h 20 min
